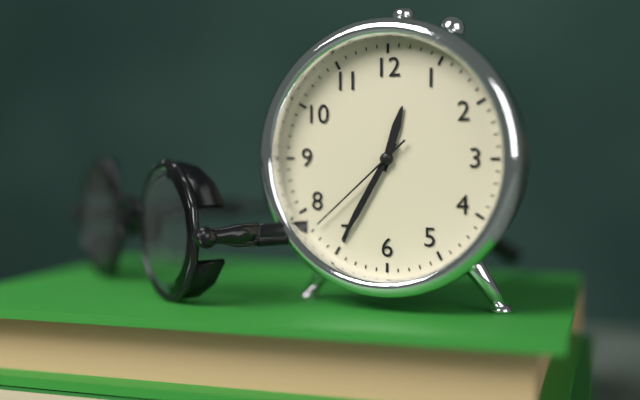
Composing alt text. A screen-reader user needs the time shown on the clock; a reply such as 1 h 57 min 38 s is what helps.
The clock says 12 h 35 min 38 s
